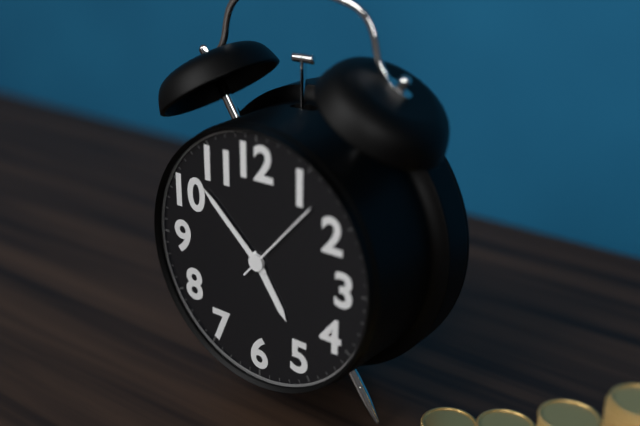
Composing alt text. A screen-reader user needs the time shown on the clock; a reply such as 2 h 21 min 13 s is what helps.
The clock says 4 h 52 min 07 s
